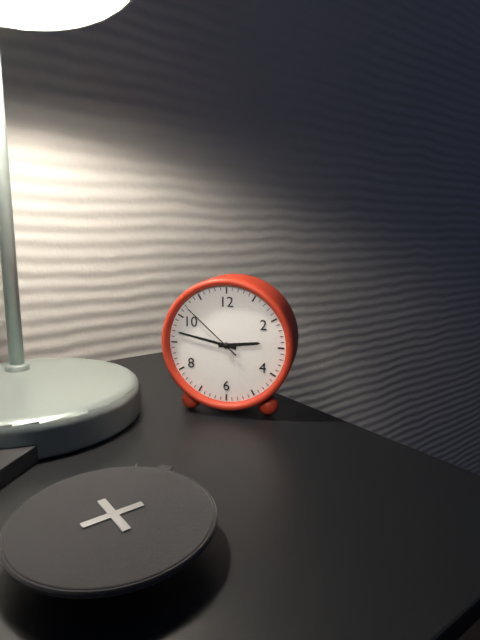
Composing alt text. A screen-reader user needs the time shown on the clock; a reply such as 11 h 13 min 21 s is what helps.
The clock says 2 h 47 min 52 s
